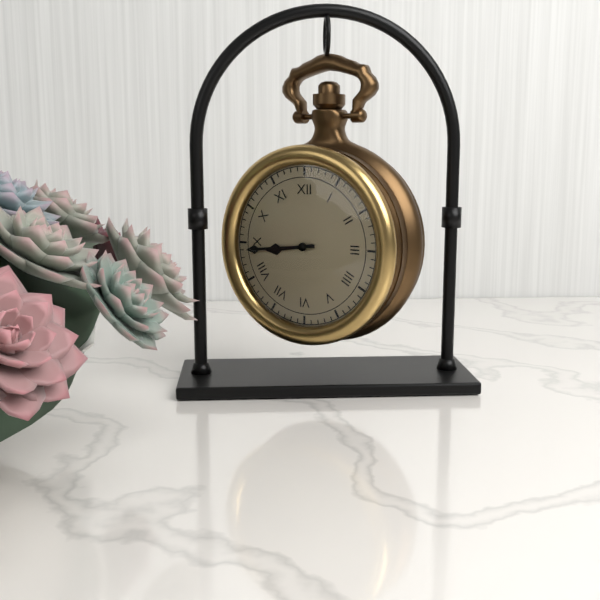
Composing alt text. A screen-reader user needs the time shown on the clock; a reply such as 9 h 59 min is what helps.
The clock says 8 h 44 min
